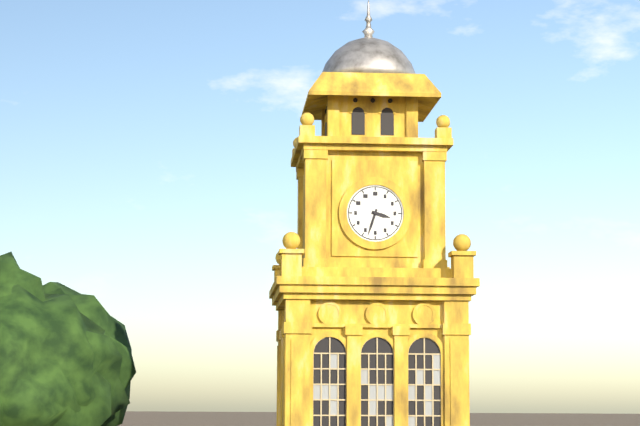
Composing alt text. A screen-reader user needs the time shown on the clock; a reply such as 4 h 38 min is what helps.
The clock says 3 h 33 min
